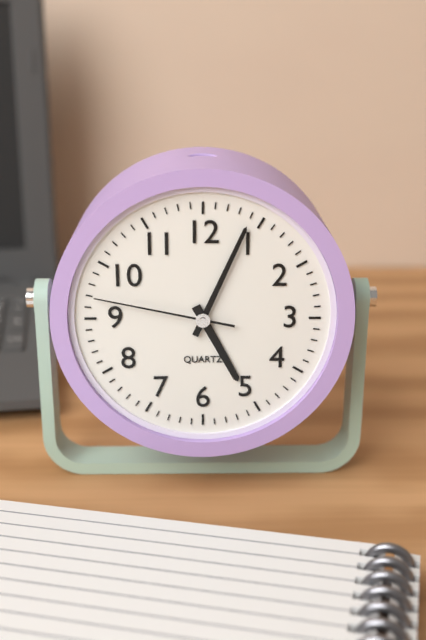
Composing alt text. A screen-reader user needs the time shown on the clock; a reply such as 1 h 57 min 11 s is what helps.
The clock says 5 h 04 min 47 s
